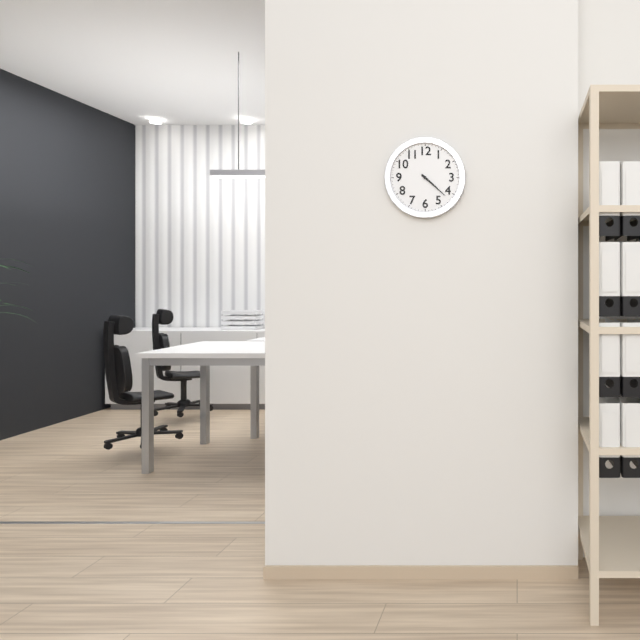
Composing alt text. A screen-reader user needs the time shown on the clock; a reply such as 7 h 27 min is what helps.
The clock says 4 h 22 min
